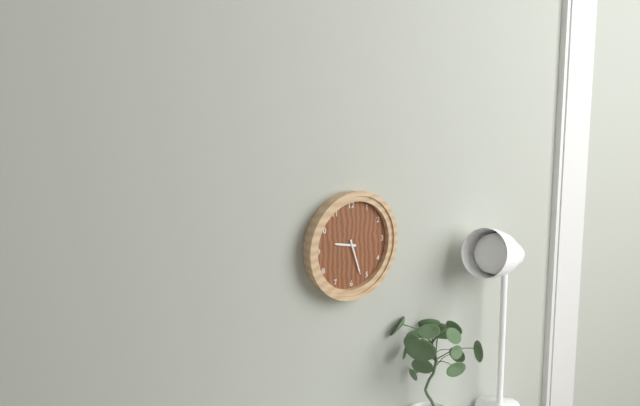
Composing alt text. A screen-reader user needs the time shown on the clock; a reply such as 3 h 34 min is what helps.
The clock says 9 h 27 min
